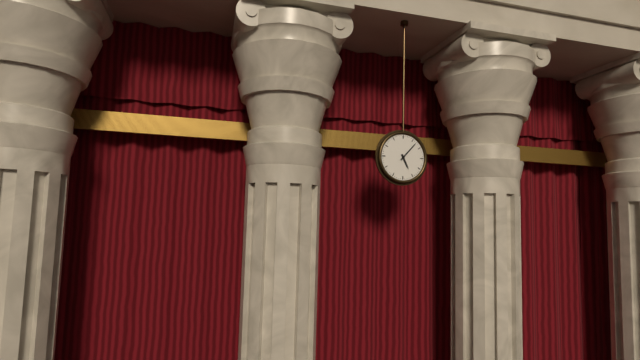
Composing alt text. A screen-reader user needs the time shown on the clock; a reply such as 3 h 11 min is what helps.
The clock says 5 h 07 min
